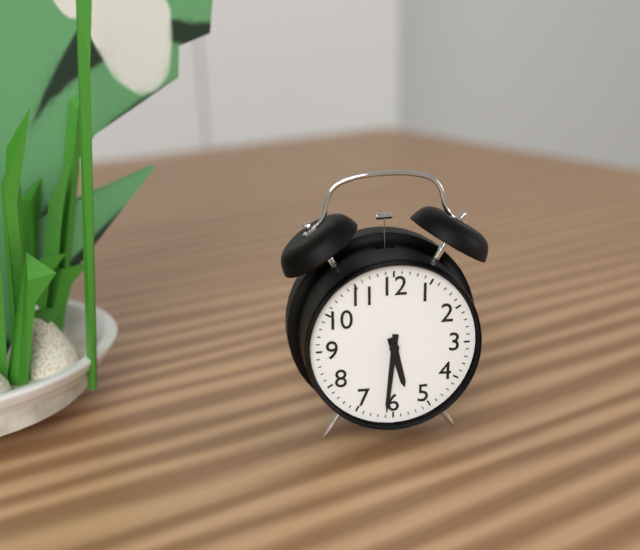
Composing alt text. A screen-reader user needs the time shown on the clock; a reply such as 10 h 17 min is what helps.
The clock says 5 h 31 min
